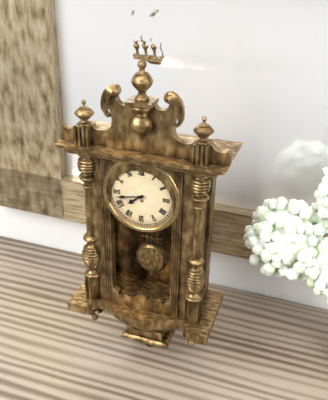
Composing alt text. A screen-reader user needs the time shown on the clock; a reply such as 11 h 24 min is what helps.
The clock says 7 h 43 min
